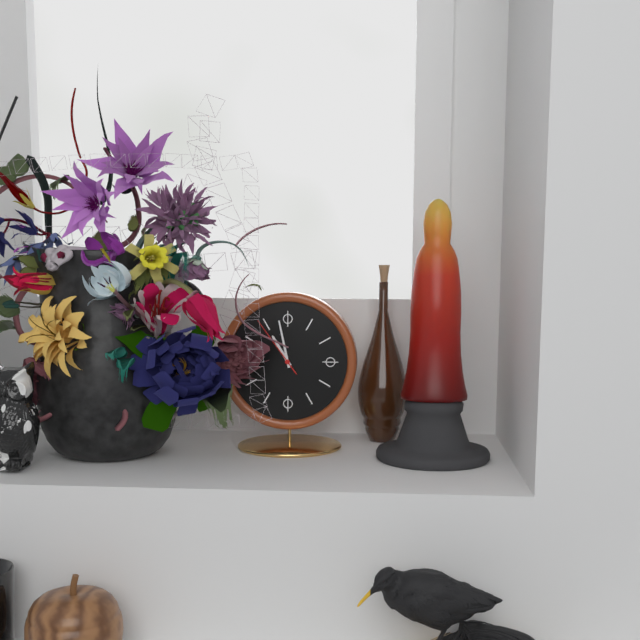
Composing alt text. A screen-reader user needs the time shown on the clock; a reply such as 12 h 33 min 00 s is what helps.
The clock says 10 h 58 min 54 s
